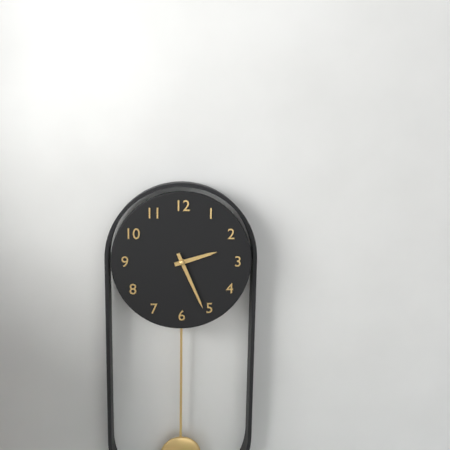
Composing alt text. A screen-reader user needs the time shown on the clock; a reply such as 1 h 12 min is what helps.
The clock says 2 h 26 min
